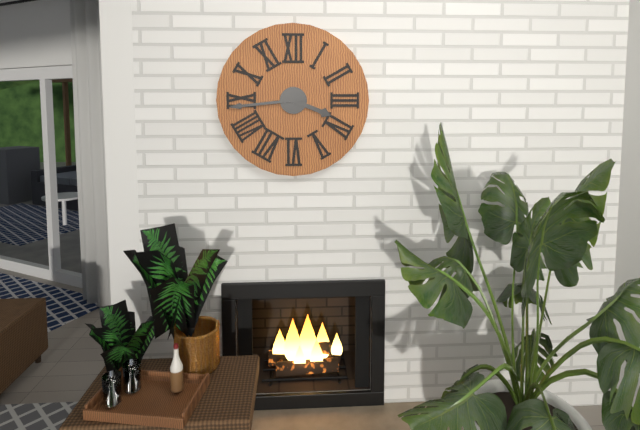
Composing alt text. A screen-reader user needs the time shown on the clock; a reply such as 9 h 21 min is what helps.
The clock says 3 h 44 min
